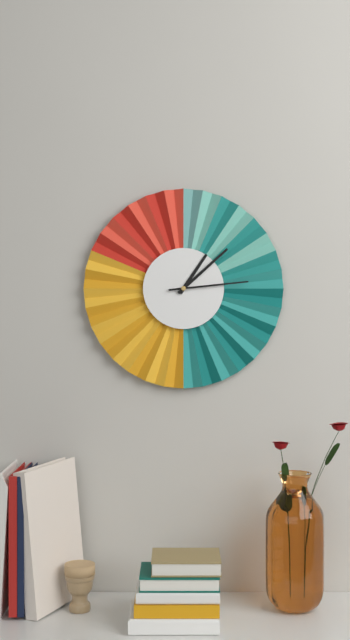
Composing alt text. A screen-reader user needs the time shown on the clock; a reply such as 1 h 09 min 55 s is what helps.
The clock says 1 h 08 min 14 s
